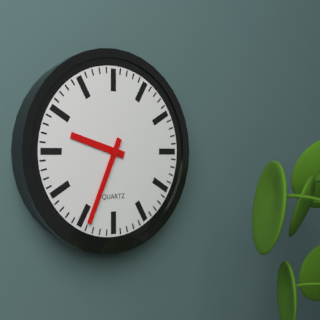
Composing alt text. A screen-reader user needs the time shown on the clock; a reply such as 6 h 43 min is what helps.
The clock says 9 h 34 min
